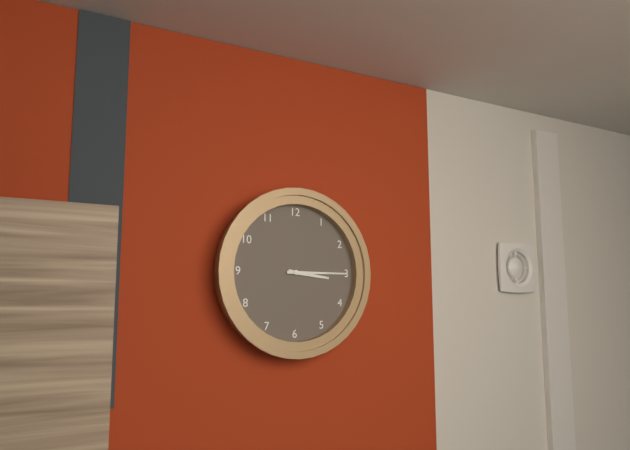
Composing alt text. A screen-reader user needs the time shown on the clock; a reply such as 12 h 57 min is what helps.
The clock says 3 h 15 min
